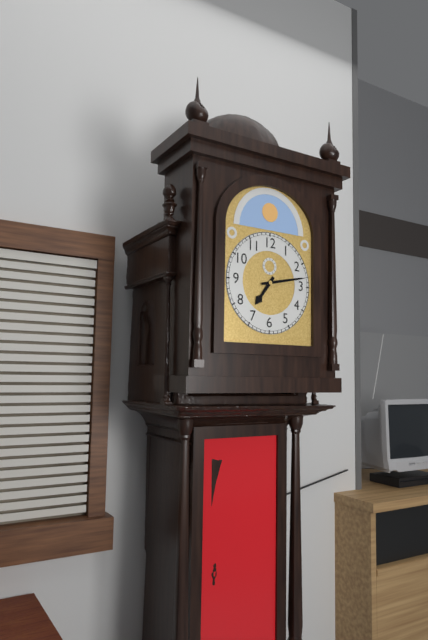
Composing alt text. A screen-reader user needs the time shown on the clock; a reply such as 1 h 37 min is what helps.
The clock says 7 h 13 min
